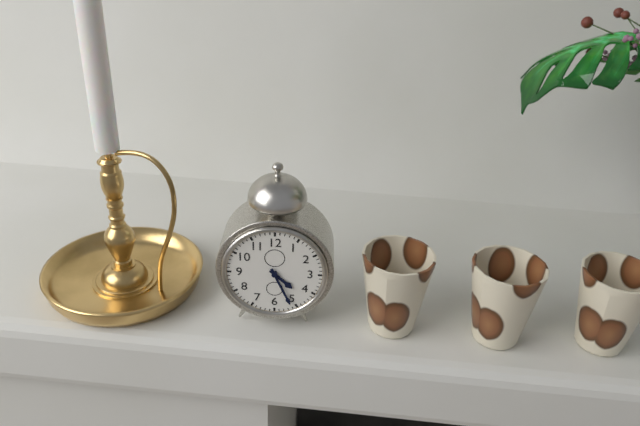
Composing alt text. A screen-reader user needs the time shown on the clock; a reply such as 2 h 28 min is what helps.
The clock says 4 h 26 min
